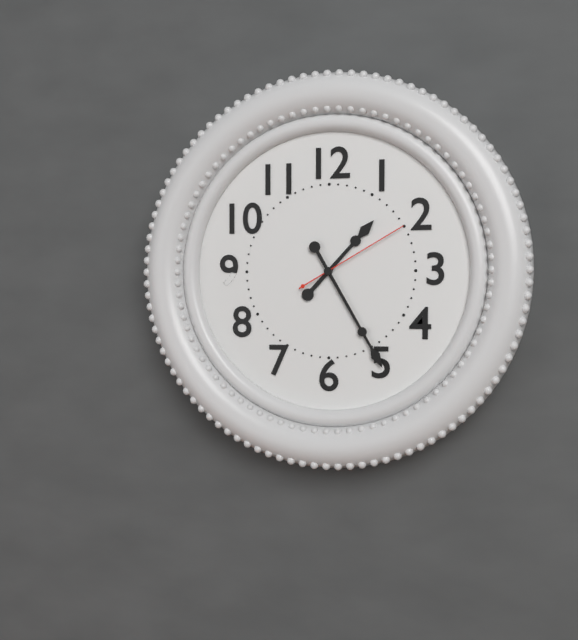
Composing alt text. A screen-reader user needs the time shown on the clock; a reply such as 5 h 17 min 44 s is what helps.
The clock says 1 h 25 min 10 s
